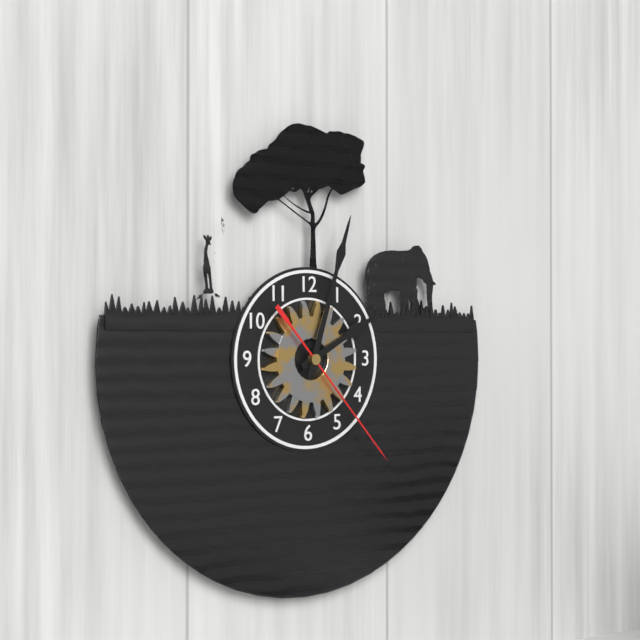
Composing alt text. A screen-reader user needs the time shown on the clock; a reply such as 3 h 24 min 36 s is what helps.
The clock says 2 h 03 min 23 s
